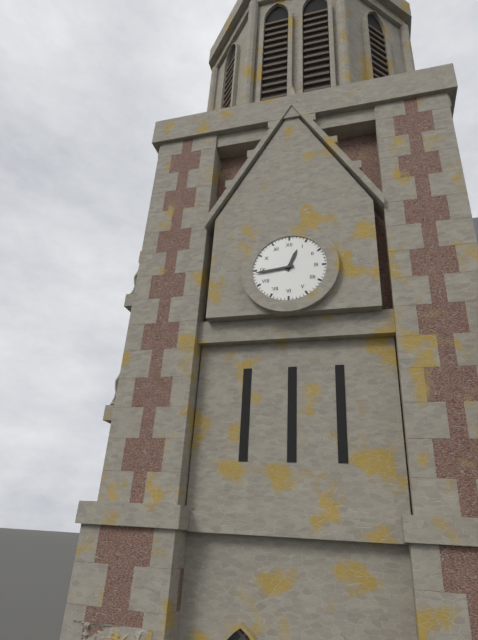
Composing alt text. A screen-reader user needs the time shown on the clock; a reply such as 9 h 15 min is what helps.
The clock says 12 h 44 min
